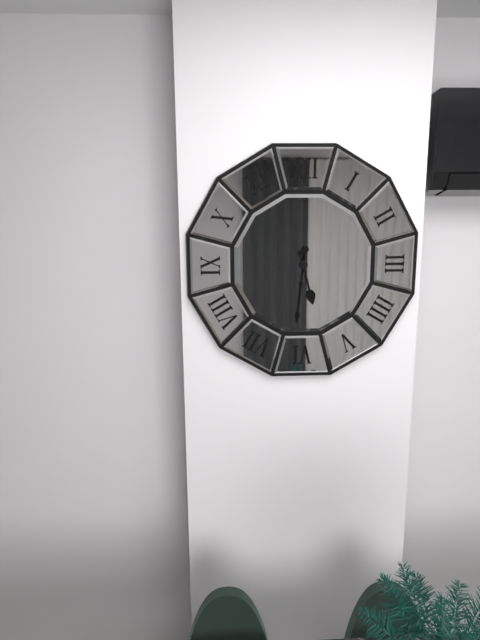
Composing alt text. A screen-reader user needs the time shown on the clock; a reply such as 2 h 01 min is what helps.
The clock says 5 h 31 min
